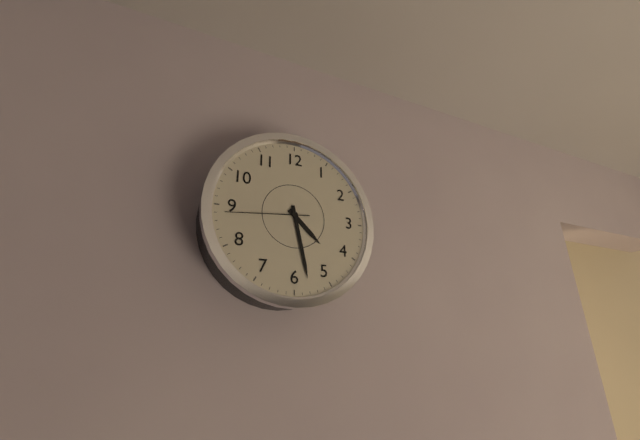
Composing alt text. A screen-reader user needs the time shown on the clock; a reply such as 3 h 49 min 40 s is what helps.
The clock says 4 h 28 min 44 s
